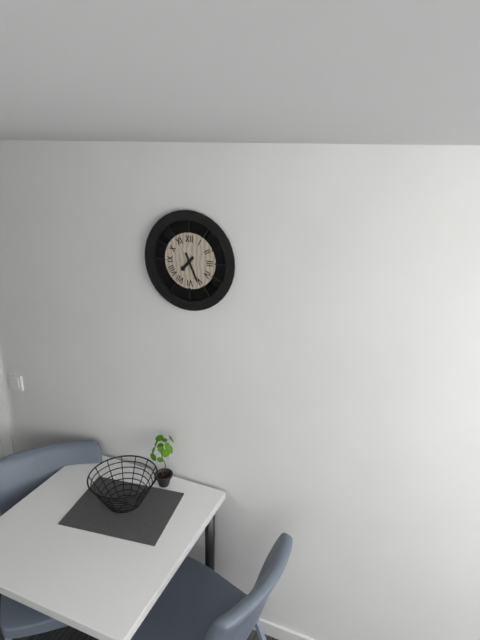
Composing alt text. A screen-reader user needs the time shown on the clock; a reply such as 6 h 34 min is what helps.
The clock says 7 h 26 min
